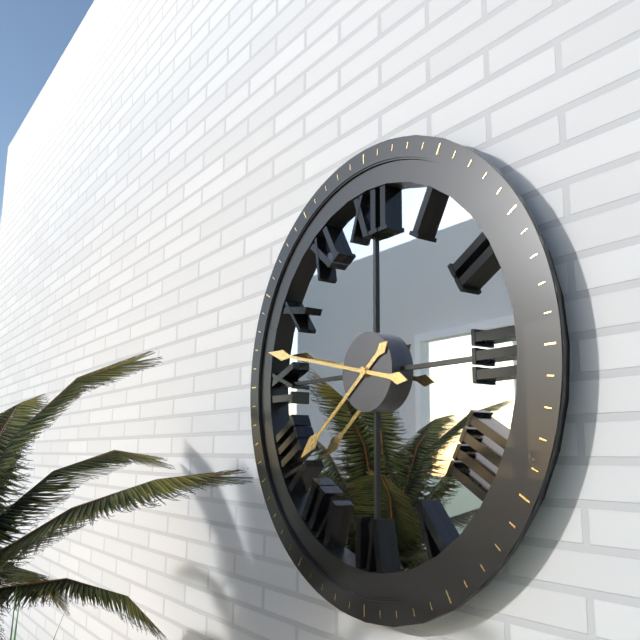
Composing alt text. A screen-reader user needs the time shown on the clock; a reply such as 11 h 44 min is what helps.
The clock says 7 h 47 min
